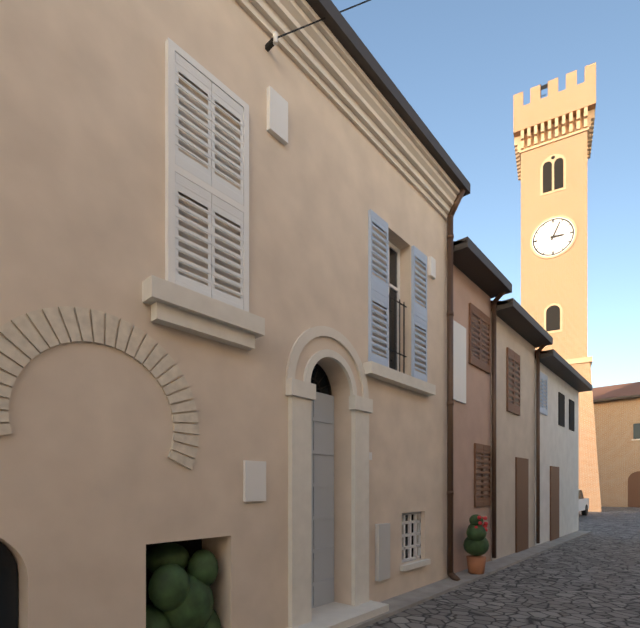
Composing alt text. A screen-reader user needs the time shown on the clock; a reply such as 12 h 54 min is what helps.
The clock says 3 h 04 min
